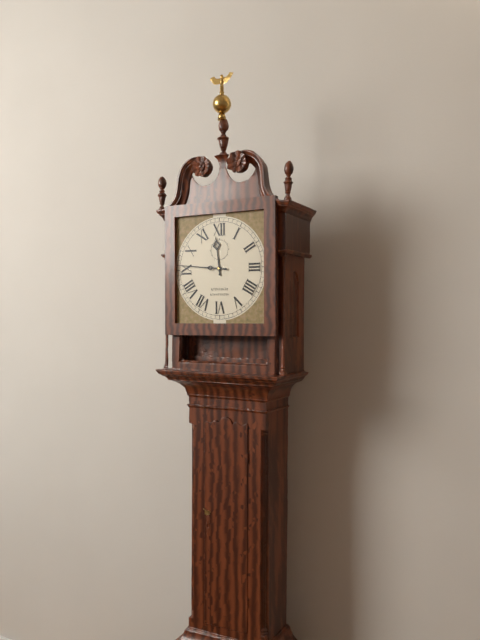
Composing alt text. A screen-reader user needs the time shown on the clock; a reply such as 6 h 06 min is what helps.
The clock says 11 h 46 min
